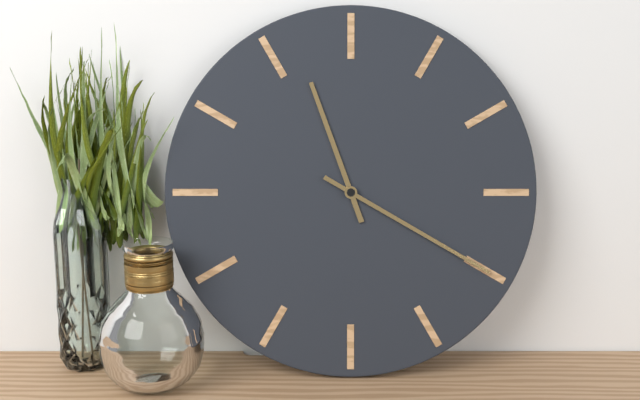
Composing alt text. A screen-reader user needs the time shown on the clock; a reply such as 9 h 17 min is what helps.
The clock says 11 h 20 min
